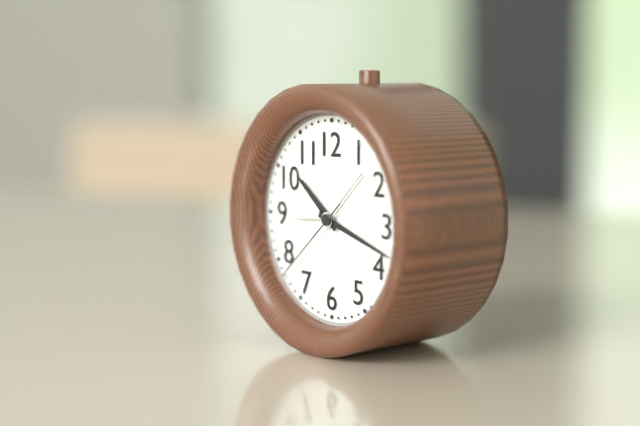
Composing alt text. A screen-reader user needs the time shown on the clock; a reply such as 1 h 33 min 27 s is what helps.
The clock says 10 h 18 min 38 s
